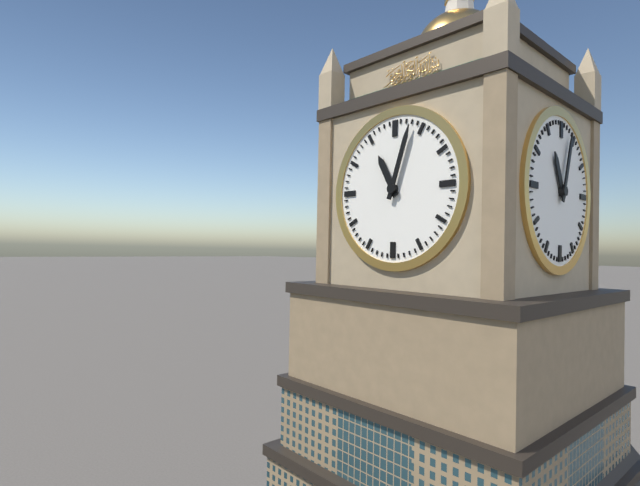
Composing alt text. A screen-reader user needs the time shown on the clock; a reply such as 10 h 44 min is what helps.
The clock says 11 h 03 min
